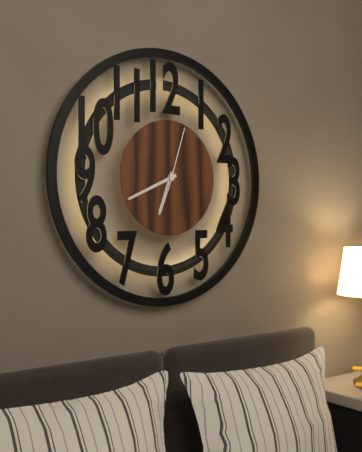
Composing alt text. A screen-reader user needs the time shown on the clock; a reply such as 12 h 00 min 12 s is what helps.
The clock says 6 h 41 min 03 s
